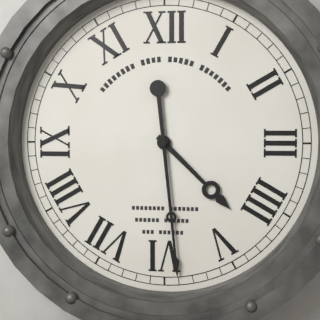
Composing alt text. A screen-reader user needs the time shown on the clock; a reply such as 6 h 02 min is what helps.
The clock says 4 h 29 min
